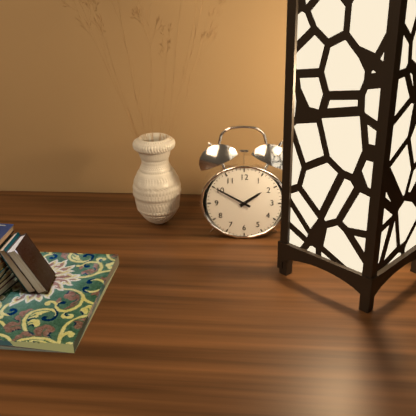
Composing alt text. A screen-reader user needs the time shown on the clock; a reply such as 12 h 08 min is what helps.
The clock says 1 h 50 min
